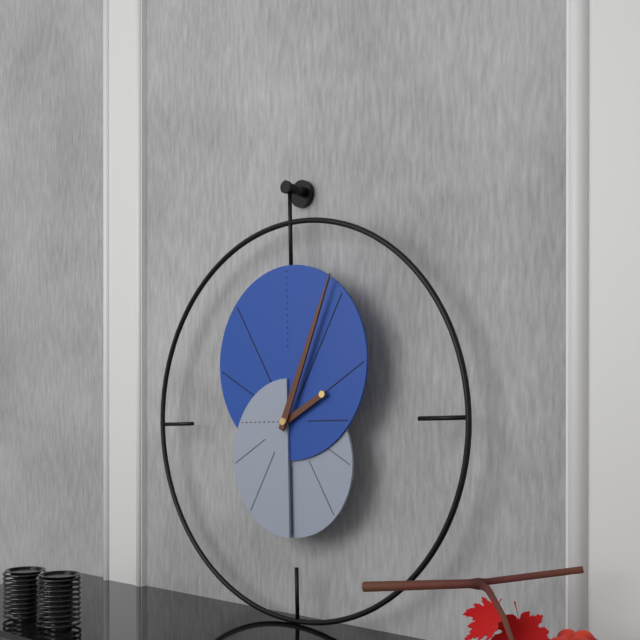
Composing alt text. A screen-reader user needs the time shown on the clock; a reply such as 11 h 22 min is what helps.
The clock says 2 h 04 min
